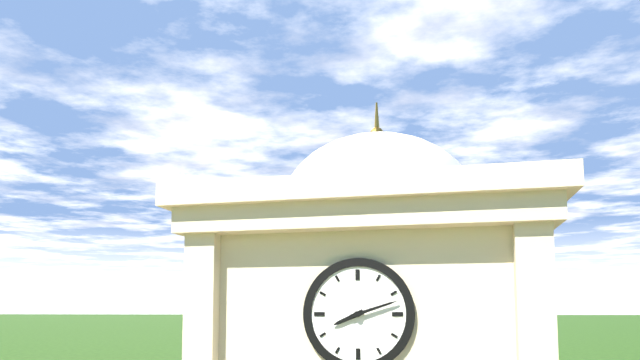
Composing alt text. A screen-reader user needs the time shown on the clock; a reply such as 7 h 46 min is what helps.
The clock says 8 h 12 min
